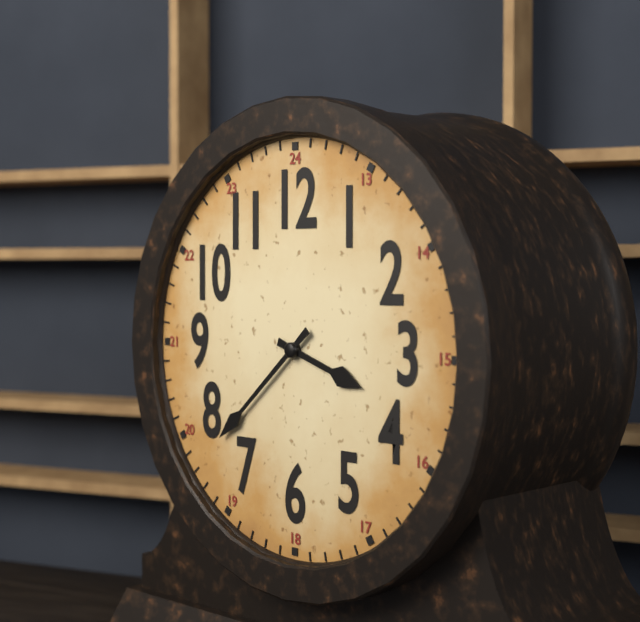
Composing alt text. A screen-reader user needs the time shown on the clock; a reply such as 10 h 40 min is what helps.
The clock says 3 h 38 min
